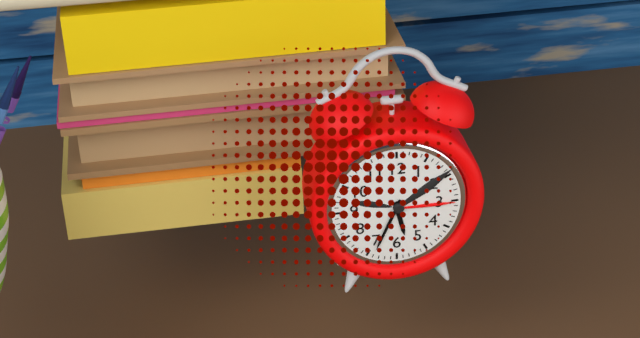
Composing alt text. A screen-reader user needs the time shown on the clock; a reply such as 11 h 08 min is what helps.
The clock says 5 h 34 min
